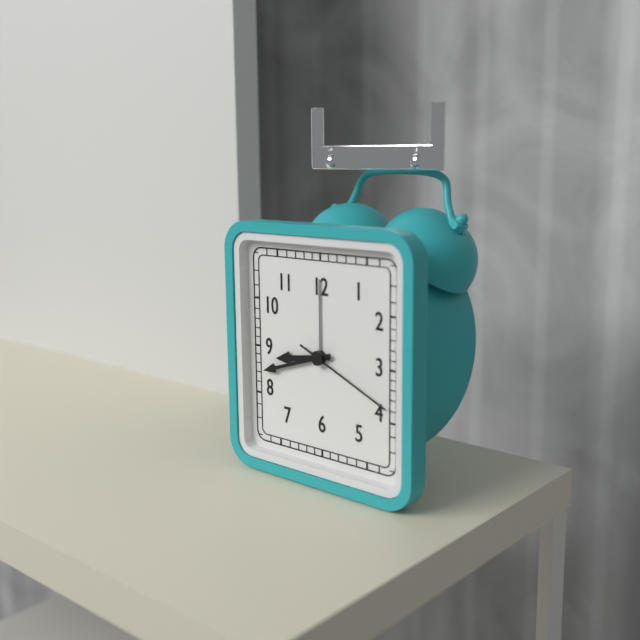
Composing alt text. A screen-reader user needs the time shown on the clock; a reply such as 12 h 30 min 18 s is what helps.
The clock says 8 h 42 min 19 s
